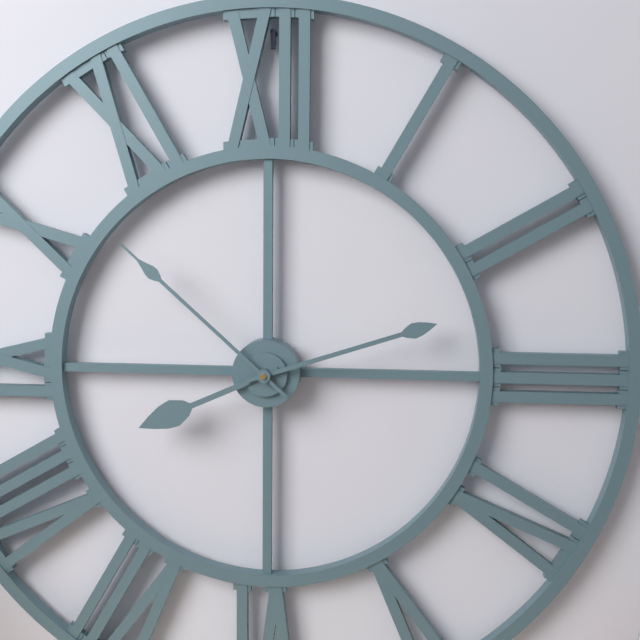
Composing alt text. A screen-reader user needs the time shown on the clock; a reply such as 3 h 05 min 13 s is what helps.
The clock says 8 h 12 min 52 s
